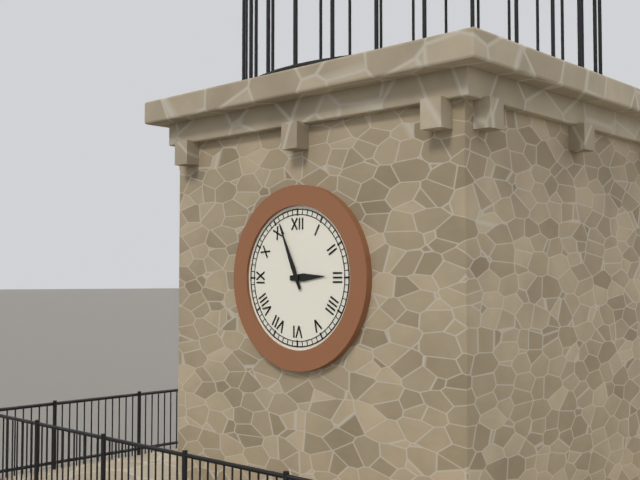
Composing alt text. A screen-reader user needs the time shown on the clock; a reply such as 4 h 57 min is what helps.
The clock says 2 h 56 min
